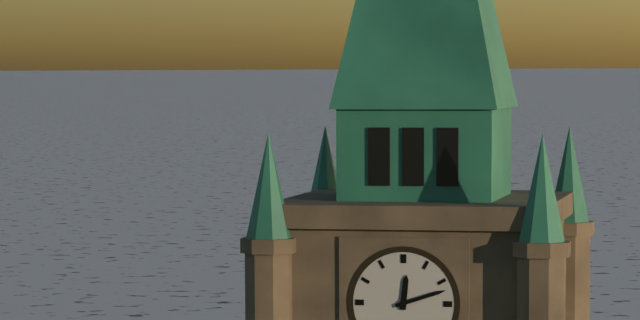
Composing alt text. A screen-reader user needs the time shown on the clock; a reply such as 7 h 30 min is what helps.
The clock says 12 h 12 min
